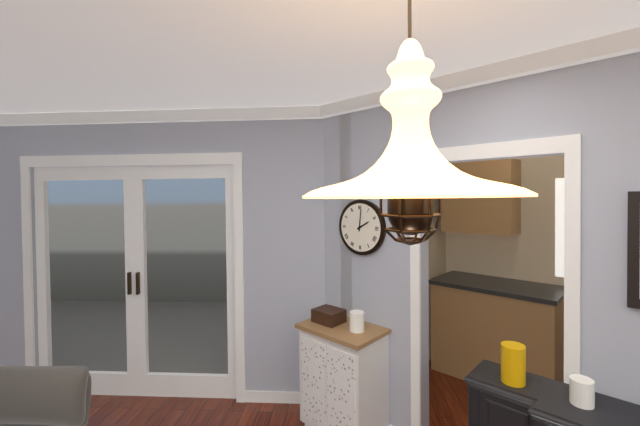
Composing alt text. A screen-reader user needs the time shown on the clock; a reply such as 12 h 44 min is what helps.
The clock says 2 h 01 min
